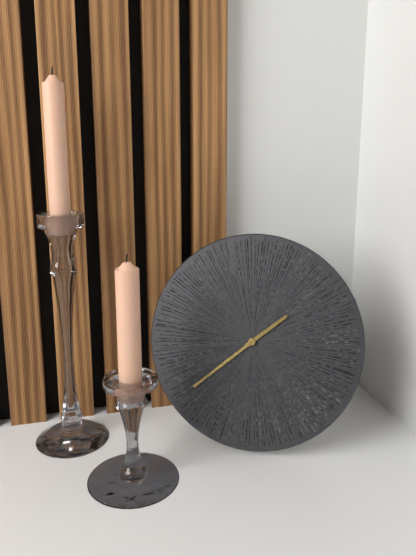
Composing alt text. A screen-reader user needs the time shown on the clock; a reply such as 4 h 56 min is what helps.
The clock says 1 h 38 min
